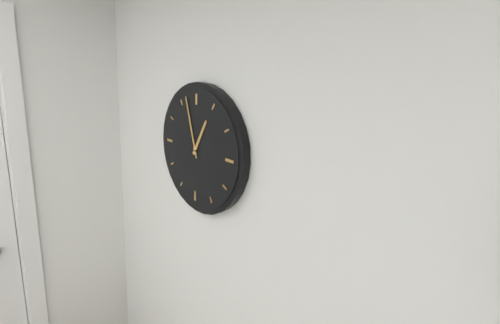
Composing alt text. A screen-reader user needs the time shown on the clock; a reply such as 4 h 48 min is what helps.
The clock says 12 h 57 min
